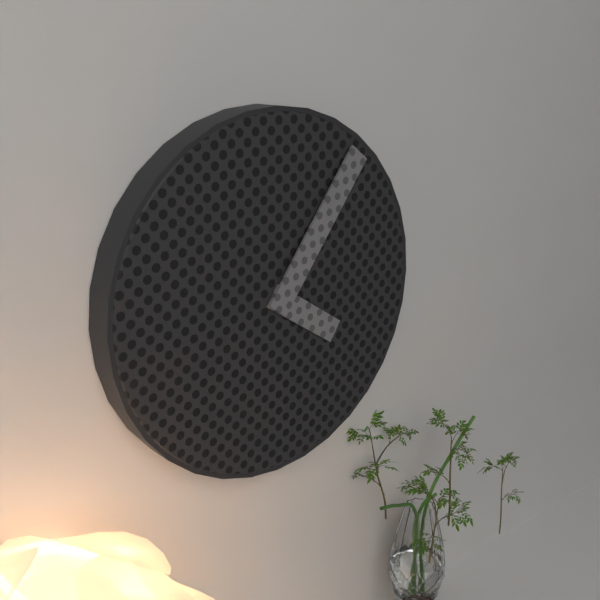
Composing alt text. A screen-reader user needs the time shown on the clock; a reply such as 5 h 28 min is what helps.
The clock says 4 h 06 min
